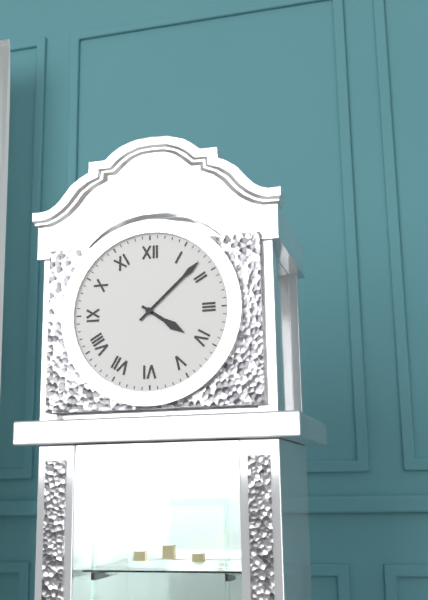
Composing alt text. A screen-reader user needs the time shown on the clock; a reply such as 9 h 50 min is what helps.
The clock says 4 h 08 min
